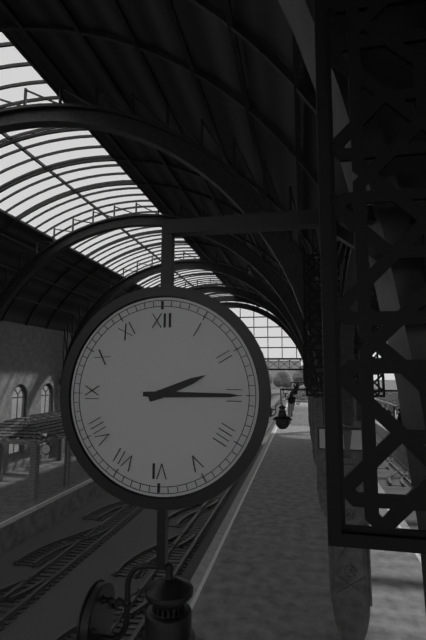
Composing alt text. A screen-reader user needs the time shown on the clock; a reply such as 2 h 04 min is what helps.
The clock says 2 h 15 min
